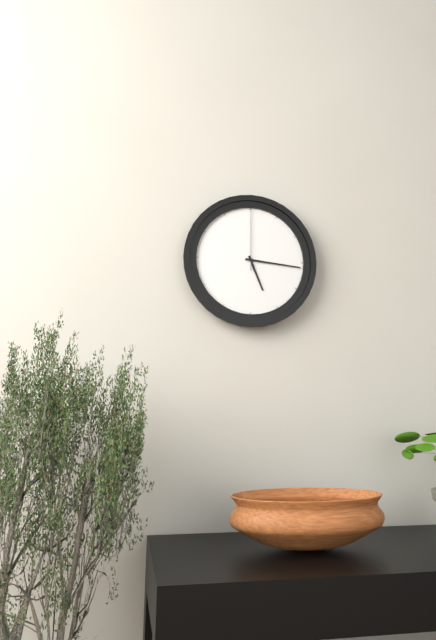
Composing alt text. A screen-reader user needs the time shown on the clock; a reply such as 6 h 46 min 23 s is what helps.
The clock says 5 h 16 min 00 s
